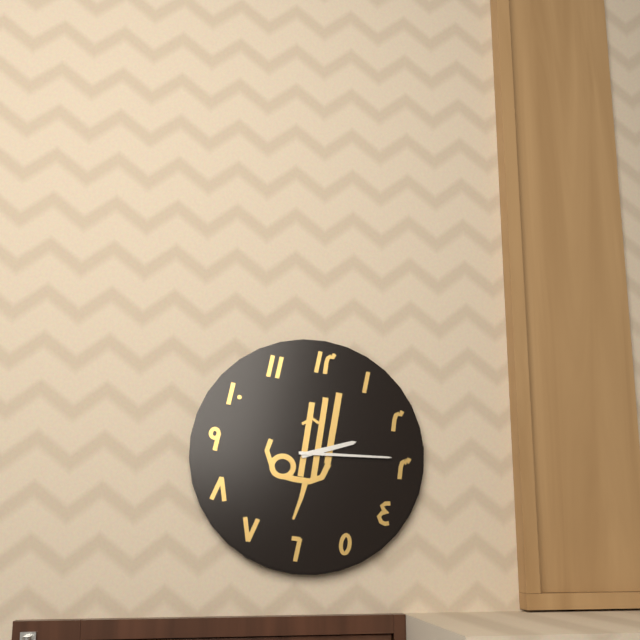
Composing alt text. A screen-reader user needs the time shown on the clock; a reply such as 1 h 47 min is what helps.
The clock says 2 h 14 min
